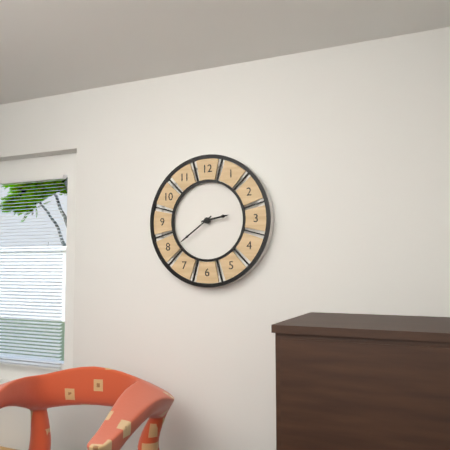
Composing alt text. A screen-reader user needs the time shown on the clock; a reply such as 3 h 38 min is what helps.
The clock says 2 h 39 min
